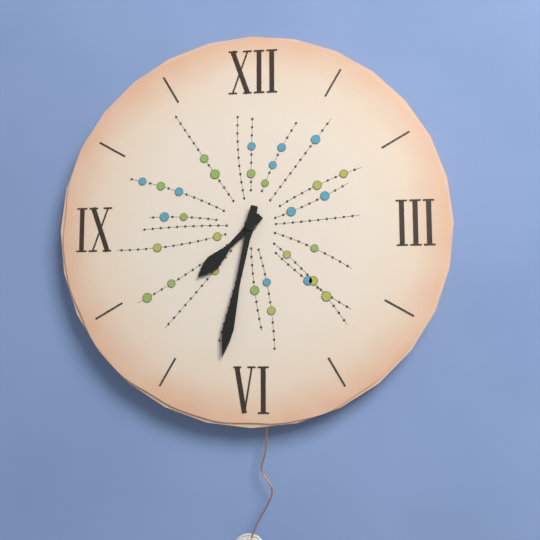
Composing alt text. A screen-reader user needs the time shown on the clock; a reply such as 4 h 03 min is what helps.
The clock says 7 h 32 min
